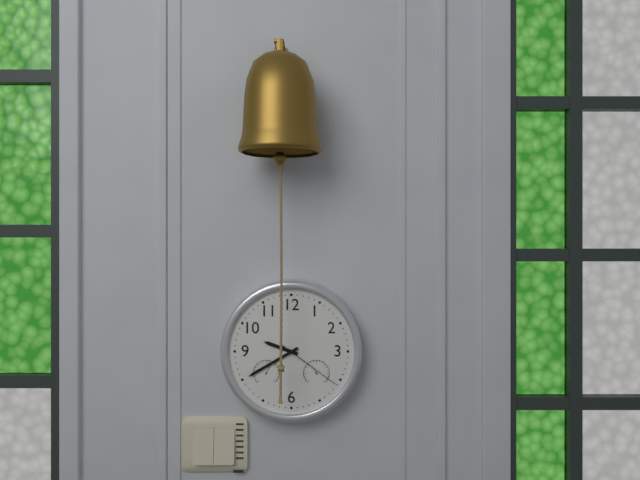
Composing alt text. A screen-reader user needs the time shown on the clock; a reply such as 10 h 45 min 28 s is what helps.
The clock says 9 h 40 min 21 s
